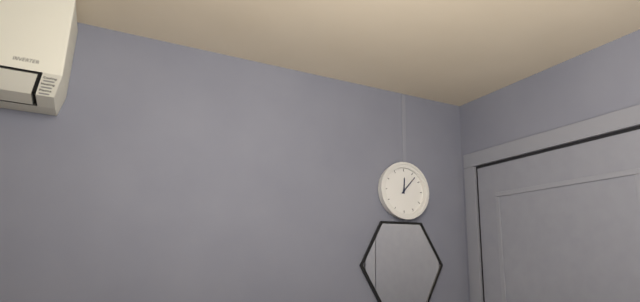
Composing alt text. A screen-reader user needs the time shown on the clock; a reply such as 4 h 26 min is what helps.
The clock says 12 h 07 min
